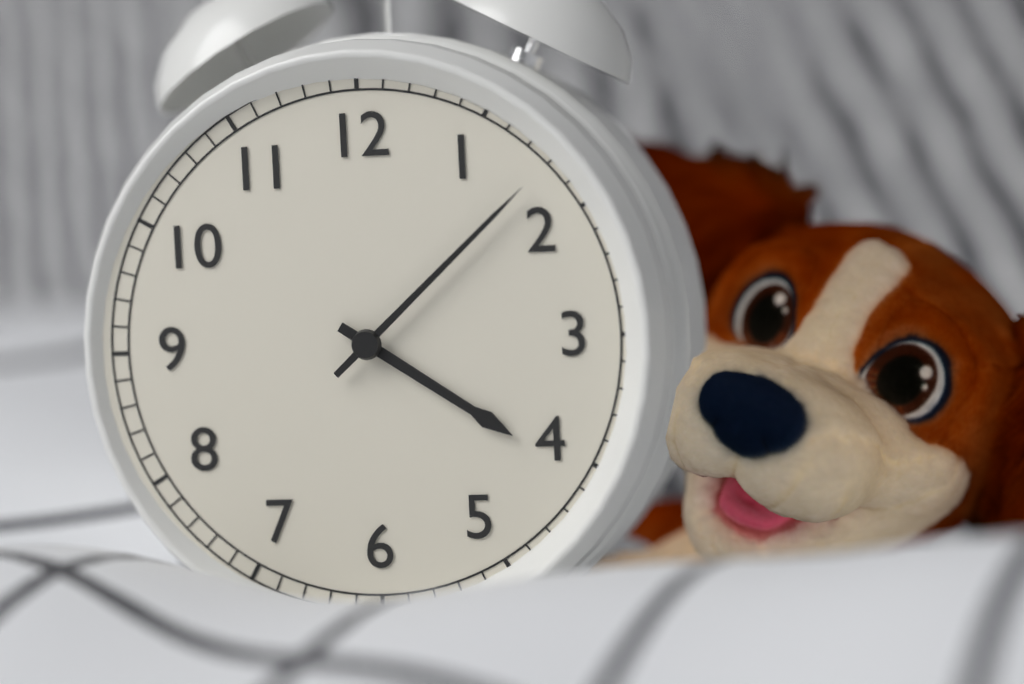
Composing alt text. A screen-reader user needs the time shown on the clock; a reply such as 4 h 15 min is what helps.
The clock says 4 h 08 min
